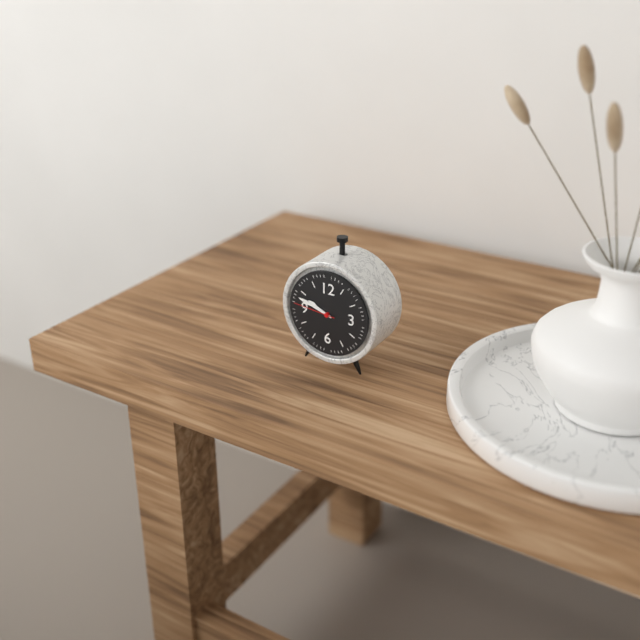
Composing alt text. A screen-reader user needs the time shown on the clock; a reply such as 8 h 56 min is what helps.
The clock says 9 h 48 min
